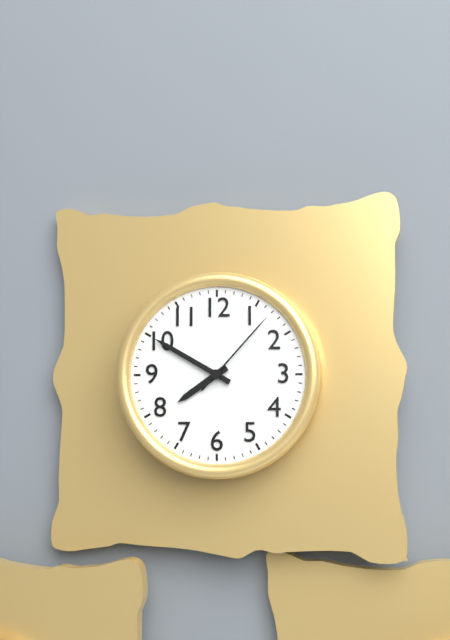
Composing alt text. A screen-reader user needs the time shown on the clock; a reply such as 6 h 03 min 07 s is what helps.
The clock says 7 h 50 min 07 s
